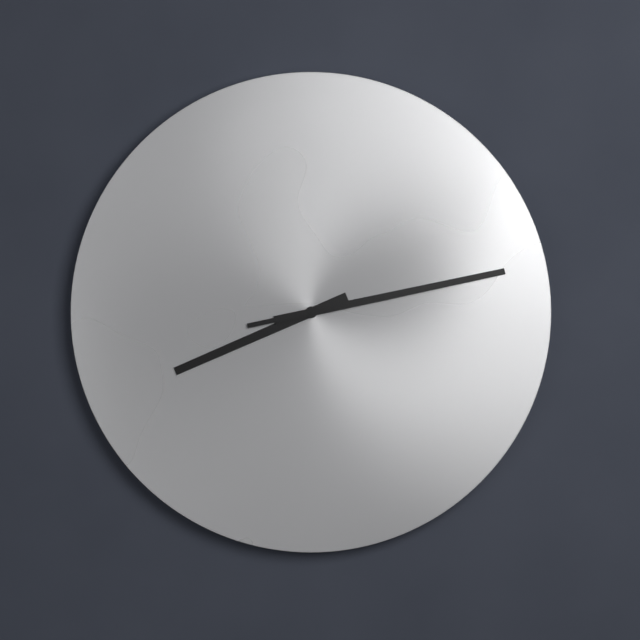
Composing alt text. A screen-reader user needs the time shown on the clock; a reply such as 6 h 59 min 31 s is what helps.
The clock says 8 h 13 min 13 s
